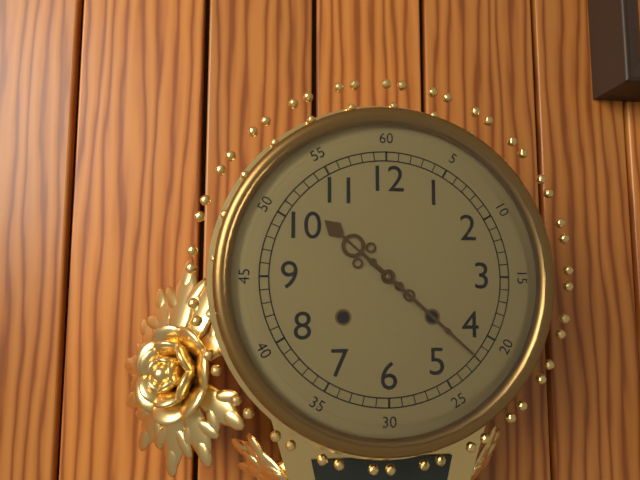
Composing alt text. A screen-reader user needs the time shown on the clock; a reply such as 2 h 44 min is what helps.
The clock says 10 h 22 min
